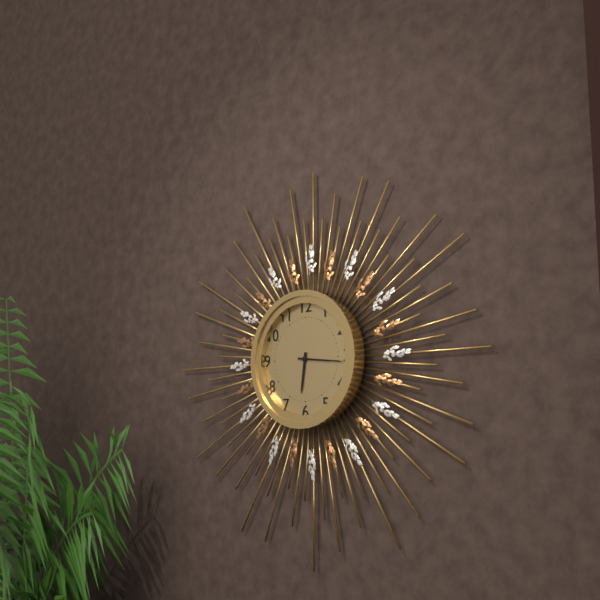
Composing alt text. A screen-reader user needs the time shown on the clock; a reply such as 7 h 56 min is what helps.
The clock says 6 h 16 min
